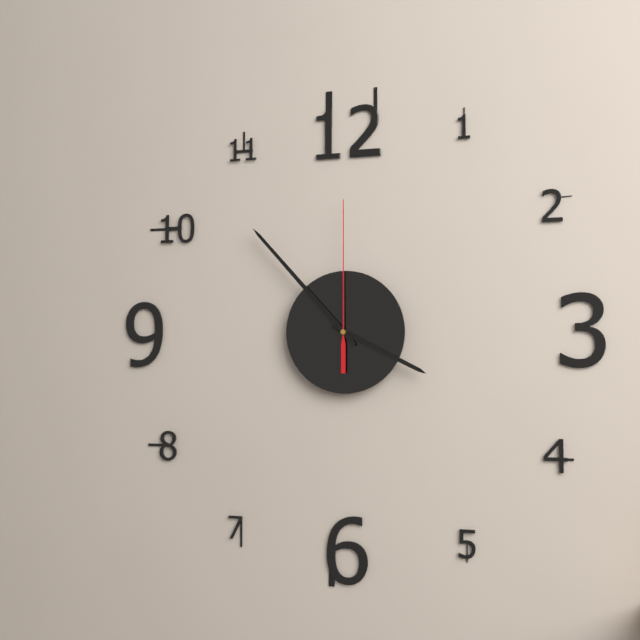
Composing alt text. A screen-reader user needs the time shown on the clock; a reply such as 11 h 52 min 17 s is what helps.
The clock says 3 h 53 min 00 s
